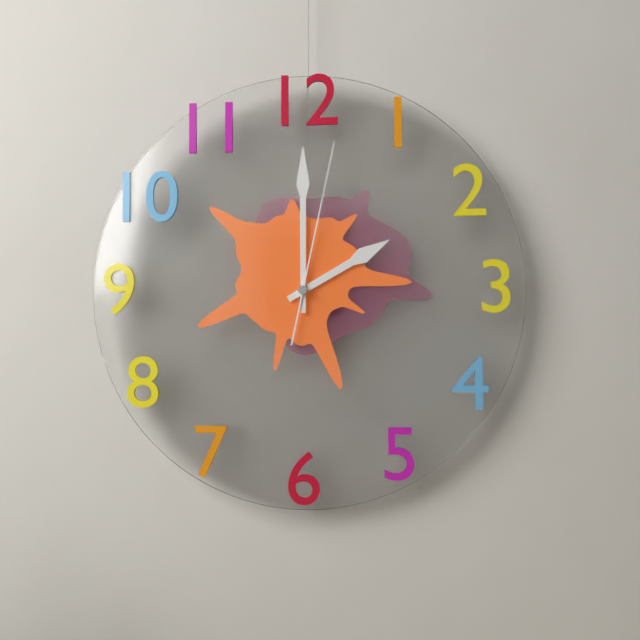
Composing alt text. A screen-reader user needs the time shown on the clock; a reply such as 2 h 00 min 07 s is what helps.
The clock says 2 h 00 min 02 s
